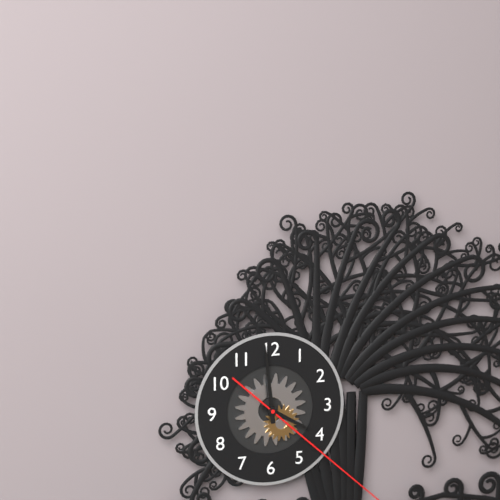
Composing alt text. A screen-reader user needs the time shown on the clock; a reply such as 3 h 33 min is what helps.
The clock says 3 h 59 min
